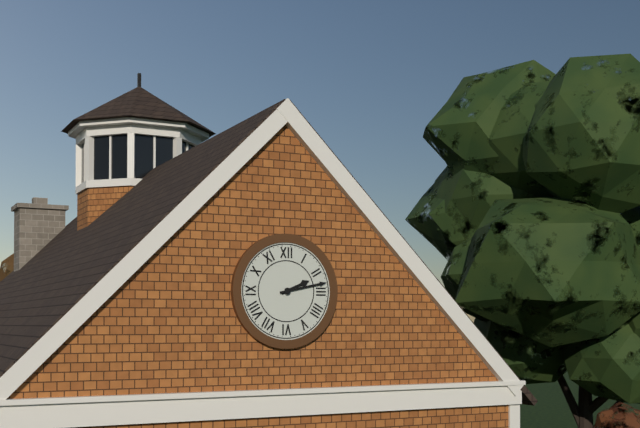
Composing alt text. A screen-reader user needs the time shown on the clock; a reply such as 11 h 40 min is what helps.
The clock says 2 h 13 min
